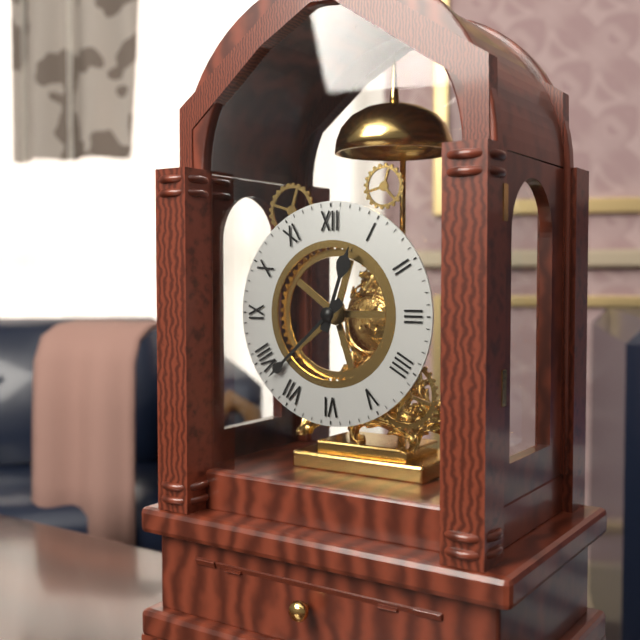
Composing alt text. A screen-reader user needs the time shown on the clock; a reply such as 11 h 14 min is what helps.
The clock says 12 h 38 min
